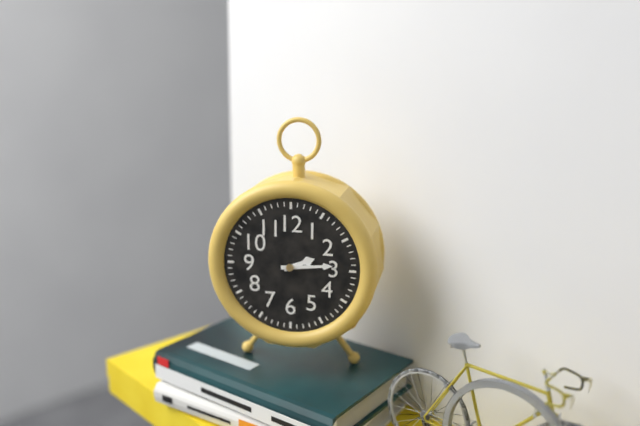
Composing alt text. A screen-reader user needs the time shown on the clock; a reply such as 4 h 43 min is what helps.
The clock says 2 h 14 min
